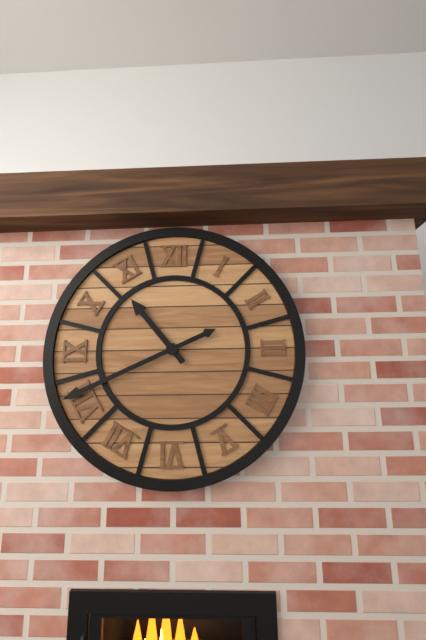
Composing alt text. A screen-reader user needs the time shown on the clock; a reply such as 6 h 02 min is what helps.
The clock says 10 h 41 min
